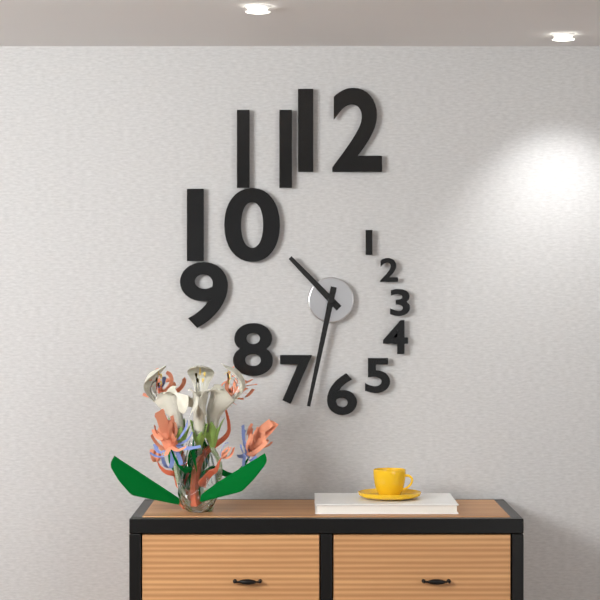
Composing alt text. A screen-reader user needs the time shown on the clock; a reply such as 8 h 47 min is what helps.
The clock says 10 h 32 min
